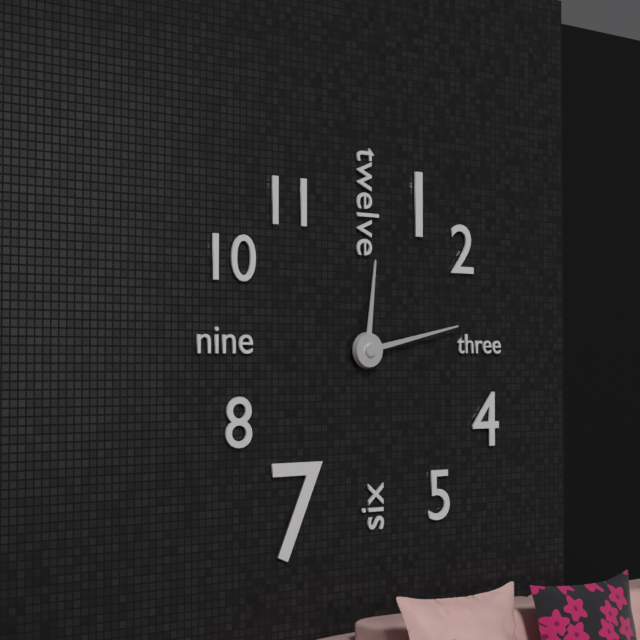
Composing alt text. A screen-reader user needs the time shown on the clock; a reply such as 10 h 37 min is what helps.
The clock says 12 h 13 min
